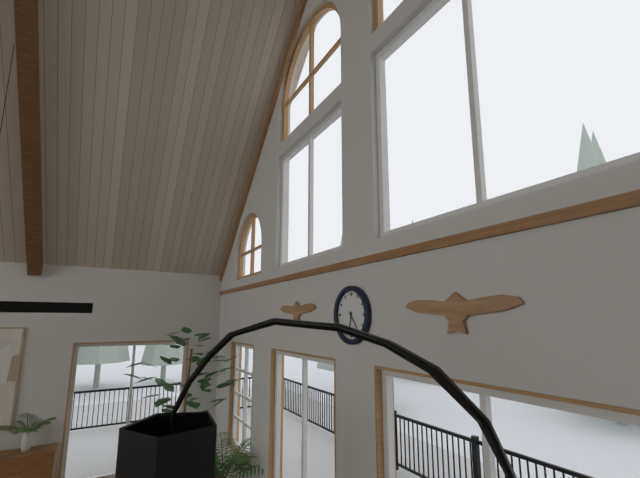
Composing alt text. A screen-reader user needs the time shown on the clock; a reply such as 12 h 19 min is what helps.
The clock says 6 h 24 min
